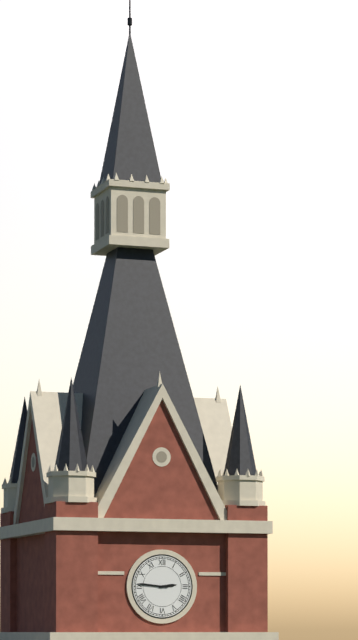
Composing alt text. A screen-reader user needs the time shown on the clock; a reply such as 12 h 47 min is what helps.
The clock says 2 h 46 min
